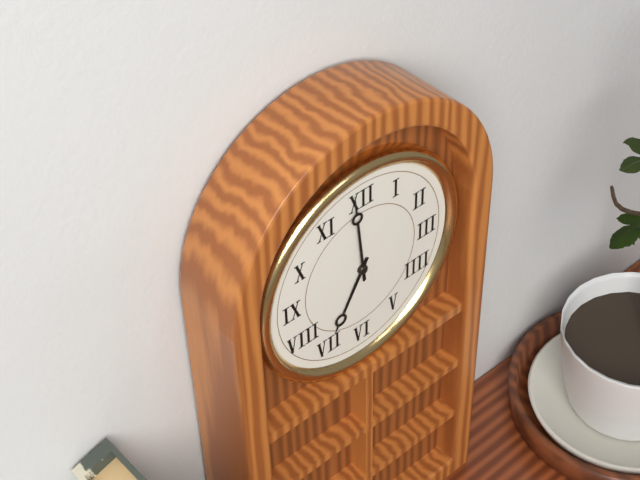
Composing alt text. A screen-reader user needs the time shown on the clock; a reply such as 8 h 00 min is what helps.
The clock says 6 h 59 min
